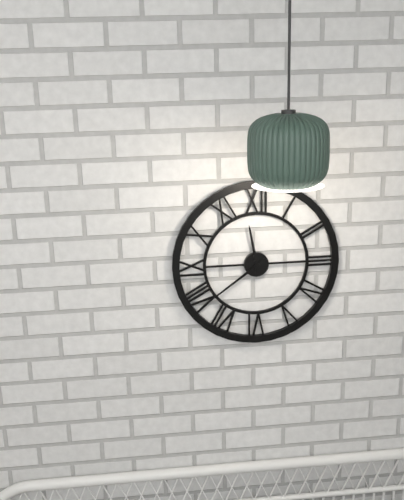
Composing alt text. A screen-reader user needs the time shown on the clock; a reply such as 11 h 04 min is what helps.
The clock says 11 h 39 min
